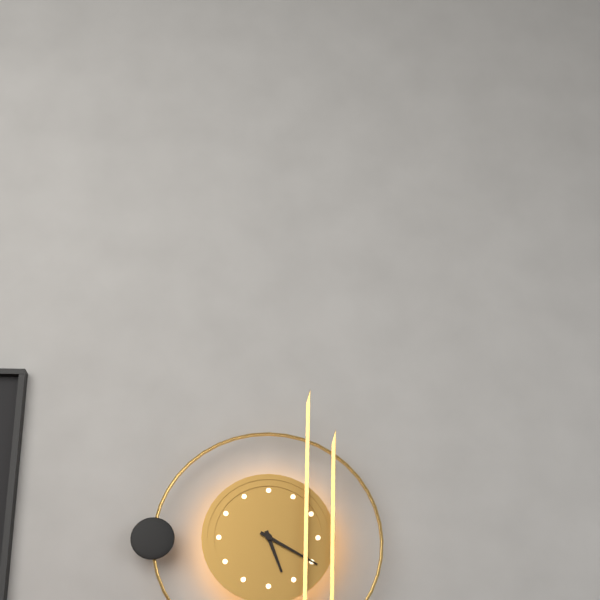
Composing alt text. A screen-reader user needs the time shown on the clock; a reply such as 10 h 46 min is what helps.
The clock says 5 h 20 min
